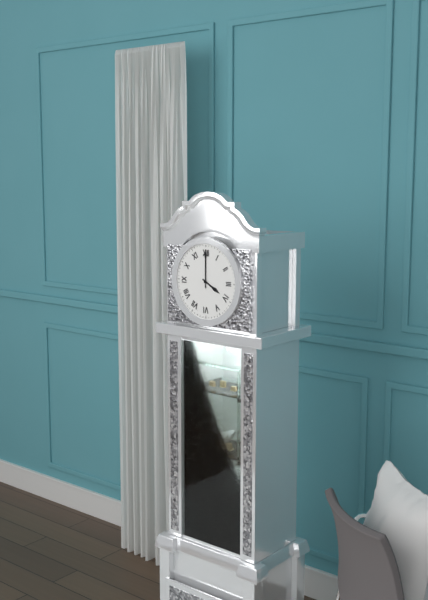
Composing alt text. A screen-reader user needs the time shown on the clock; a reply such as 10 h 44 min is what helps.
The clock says 4 h 00 min
